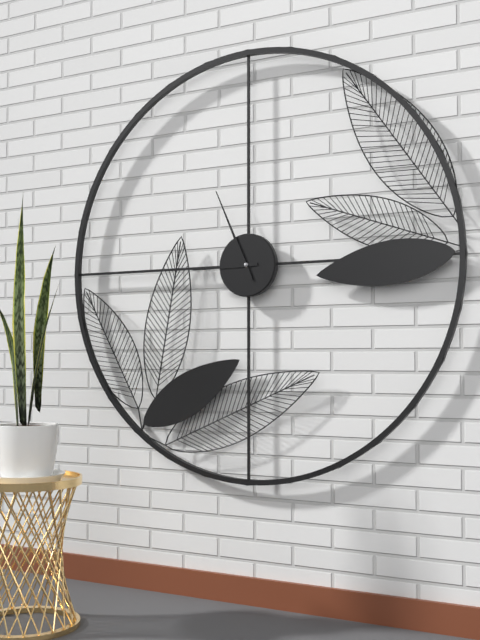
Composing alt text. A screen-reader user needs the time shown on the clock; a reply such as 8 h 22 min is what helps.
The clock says 8 h 56 min
